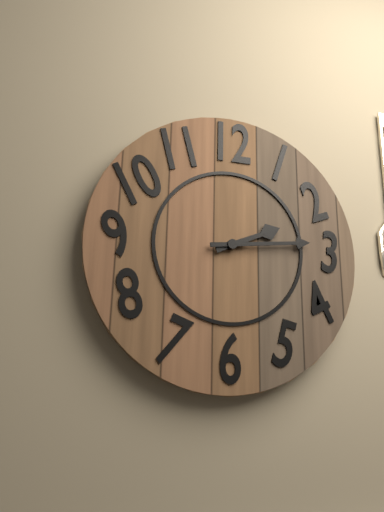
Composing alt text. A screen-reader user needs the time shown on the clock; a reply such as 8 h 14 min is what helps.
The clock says 2 h 14 min
